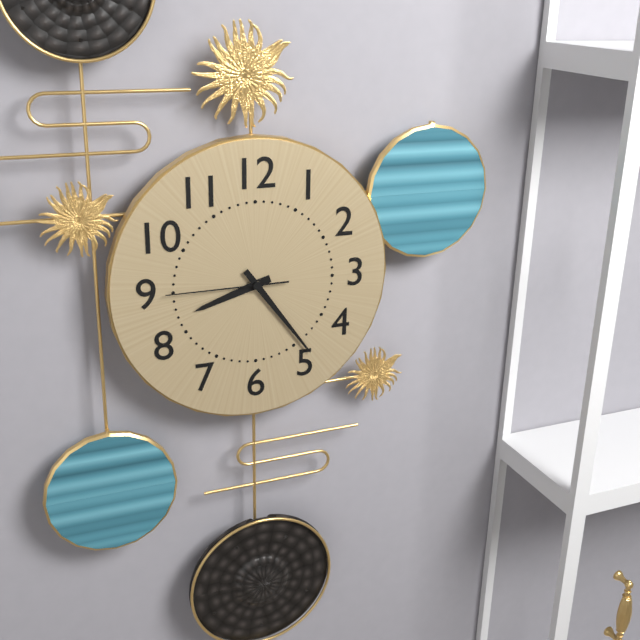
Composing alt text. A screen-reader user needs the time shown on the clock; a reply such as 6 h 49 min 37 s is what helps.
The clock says 8 h 24 min 45 s
